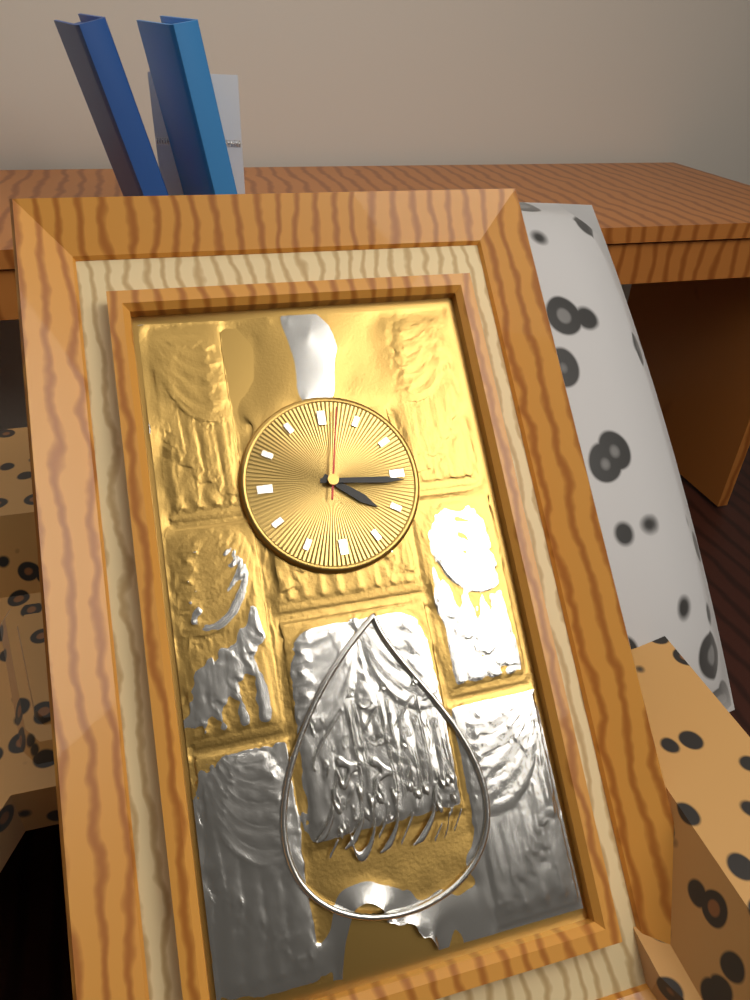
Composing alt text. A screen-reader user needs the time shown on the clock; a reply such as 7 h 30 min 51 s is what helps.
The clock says 4 h 16 min 02 s
